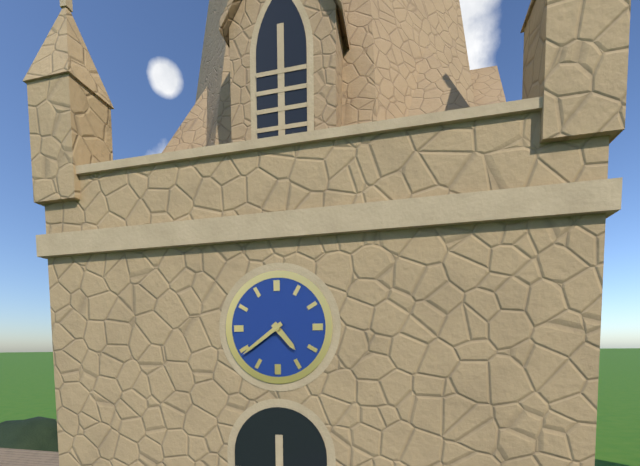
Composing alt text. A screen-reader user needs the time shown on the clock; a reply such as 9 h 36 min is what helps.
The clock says 4 h 39 min
